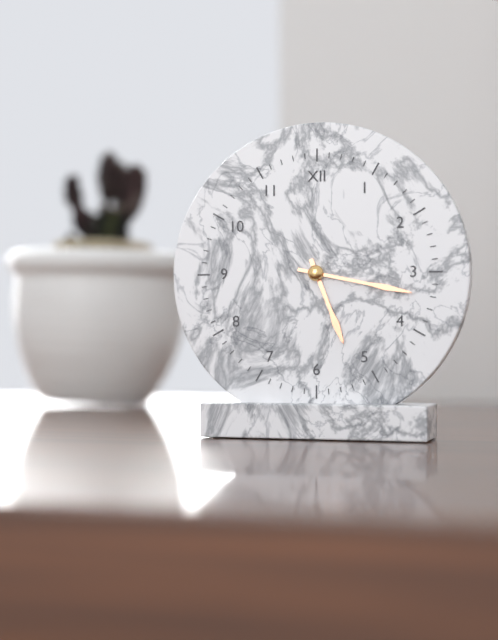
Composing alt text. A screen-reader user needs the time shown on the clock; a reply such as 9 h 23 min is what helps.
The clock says 5 h 17 min
